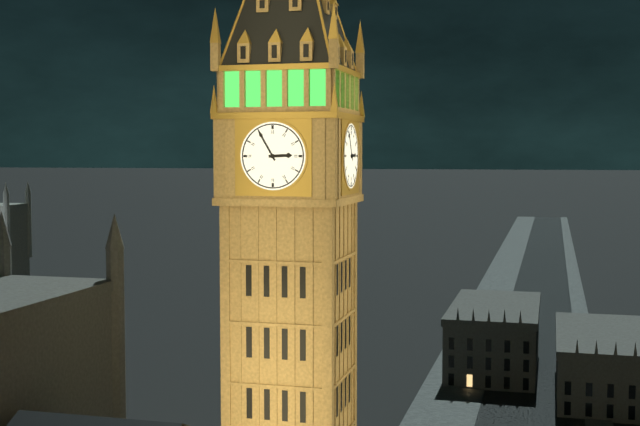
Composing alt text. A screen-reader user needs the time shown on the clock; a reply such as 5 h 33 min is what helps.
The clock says 2 h 55 min
